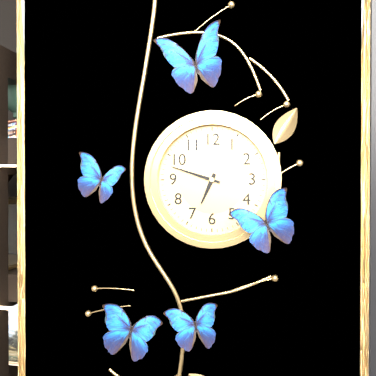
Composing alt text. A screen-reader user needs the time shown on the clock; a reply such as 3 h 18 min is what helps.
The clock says 6 h 48 min
